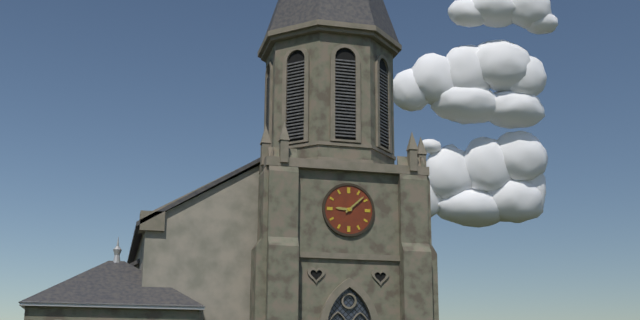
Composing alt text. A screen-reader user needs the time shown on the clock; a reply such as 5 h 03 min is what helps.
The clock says 9 h 08 min
